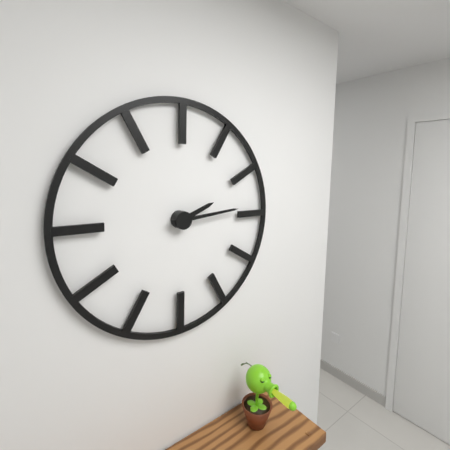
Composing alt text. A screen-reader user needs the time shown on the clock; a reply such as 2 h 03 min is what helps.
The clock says 2 h 14 min
